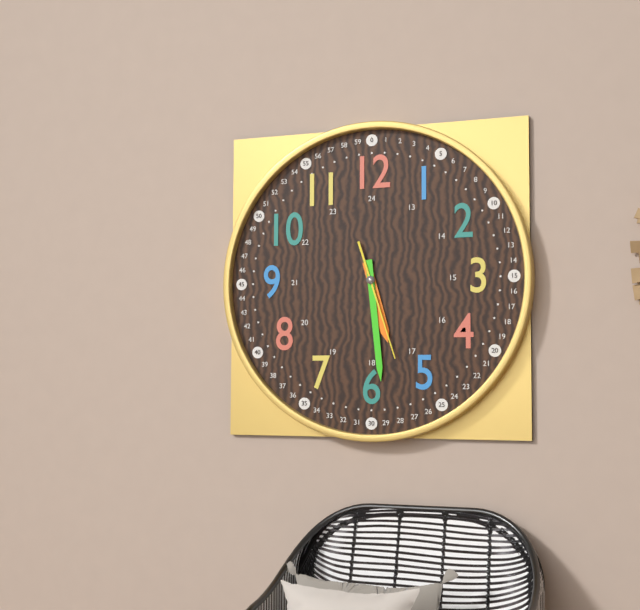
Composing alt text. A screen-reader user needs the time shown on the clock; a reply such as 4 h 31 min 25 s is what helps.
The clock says 5 h 29 min 27 s
